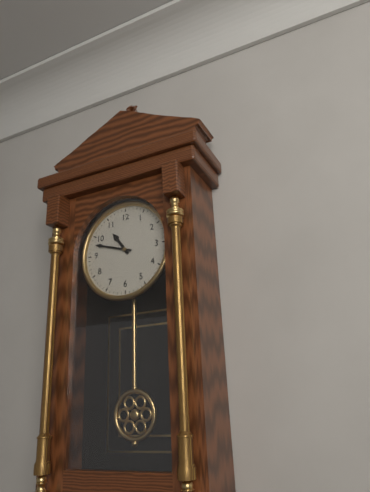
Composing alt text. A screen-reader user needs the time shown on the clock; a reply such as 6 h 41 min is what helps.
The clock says 10 h 48 min
